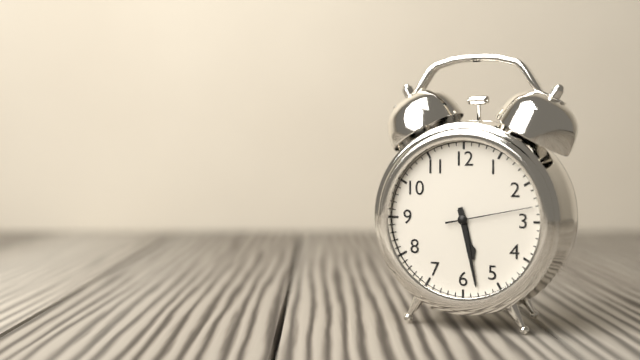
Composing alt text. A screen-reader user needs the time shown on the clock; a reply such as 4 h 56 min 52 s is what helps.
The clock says 5 h 28 min 13 s
